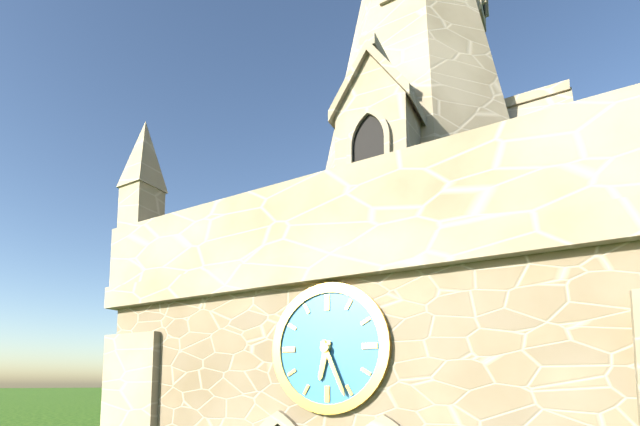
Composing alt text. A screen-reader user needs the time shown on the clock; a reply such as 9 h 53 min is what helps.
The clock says 6 h 26 min
